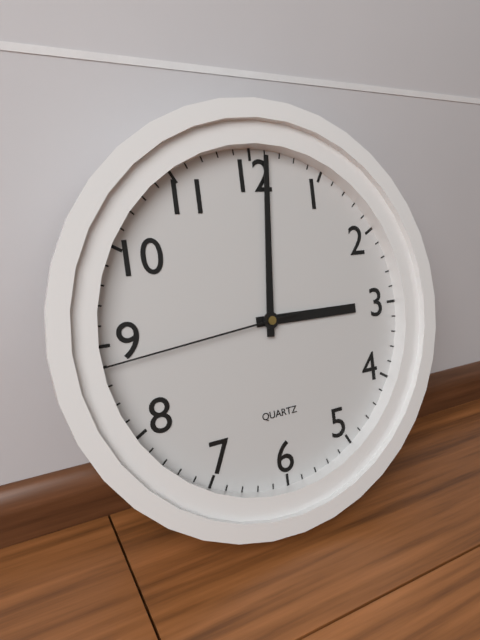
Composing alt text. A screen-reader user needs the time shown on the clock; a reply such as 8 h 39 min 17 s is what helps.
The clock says 3 h 01 min 44 s
